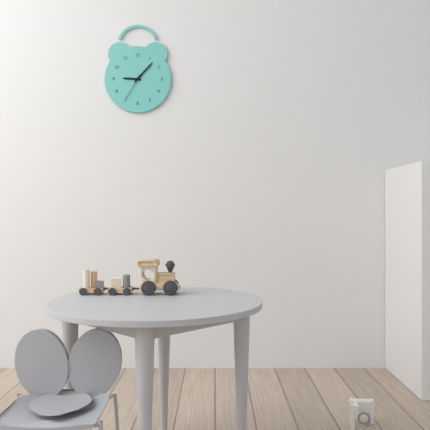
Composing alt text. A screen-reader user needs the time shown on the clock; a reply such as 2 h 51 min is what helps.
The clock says 9 h 07 min
